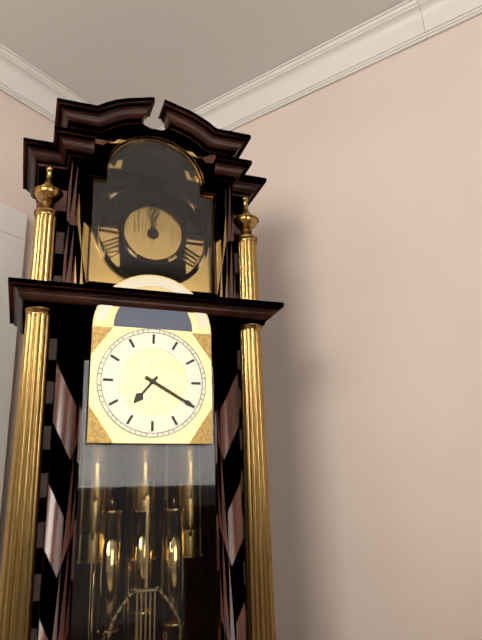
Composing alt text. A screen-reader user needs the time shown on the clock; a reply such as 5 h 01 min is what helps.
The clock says 7 h 20 min
